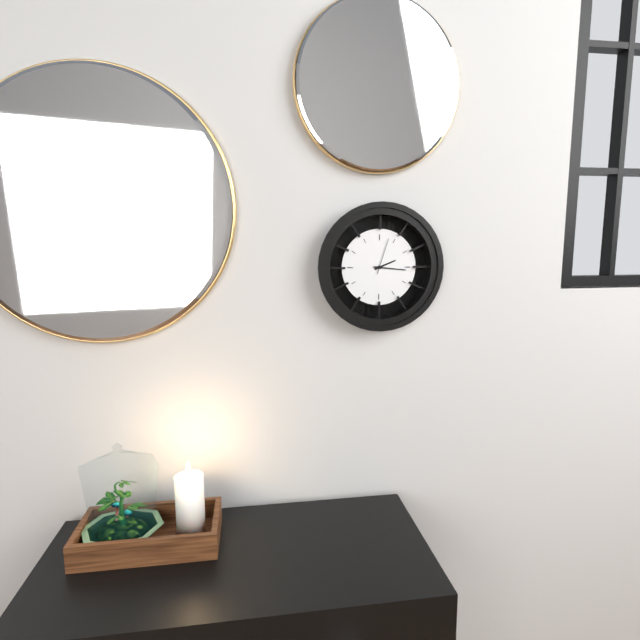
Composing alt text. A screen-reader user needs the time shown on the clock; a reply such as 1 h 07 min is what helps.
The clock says 2 h 16 min
